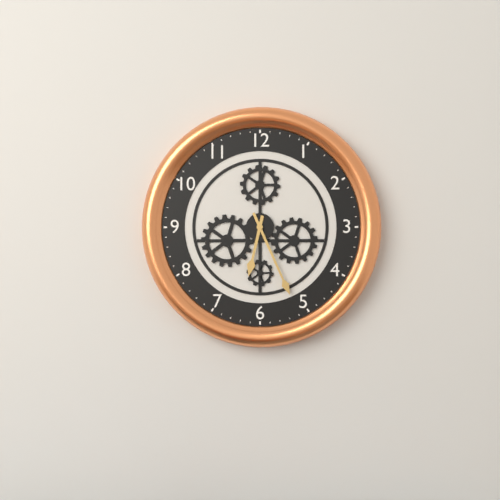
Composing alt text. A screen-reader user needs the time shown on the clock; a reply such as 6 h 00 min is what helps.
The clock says 6 h 26 min
